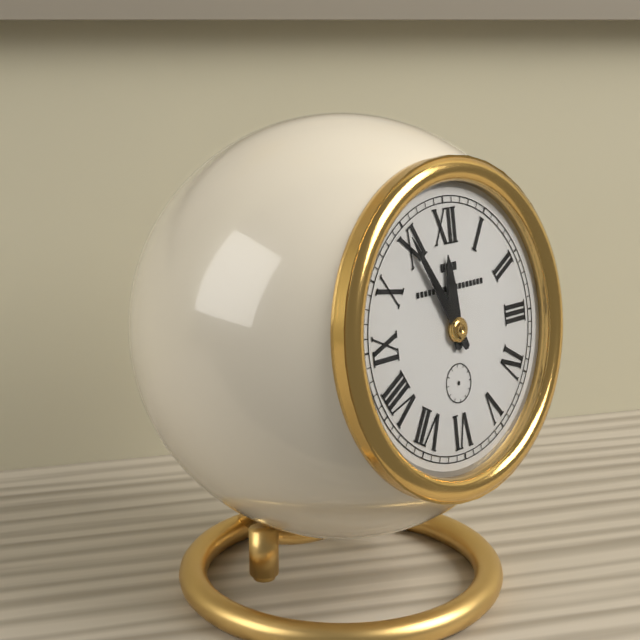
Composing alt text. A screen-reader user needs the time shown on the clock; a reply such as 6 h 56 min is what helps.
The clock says 11 h 55 min
